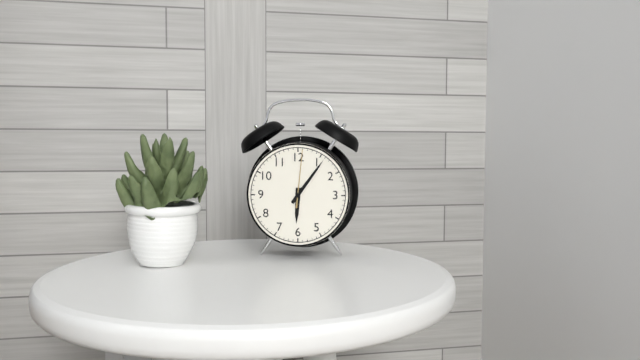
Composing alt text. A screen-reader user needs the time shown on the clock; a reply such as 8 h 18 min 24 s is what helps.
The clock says 6 h 06 min 01 s
